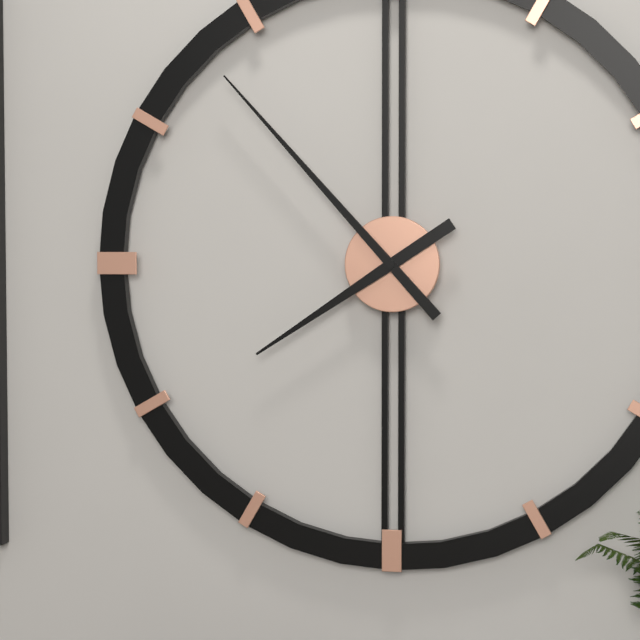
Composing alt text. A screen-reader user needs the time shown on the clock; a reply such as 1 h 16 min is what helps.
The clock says 7 h 53 min
